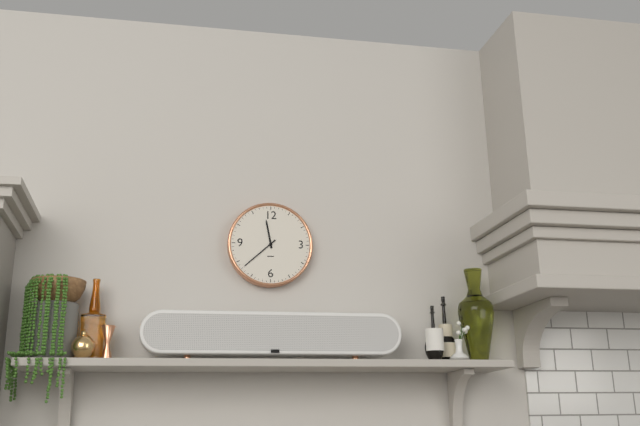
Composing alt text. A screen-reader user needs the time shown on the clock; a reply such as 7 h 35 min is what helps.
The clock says 11 h 38 min
